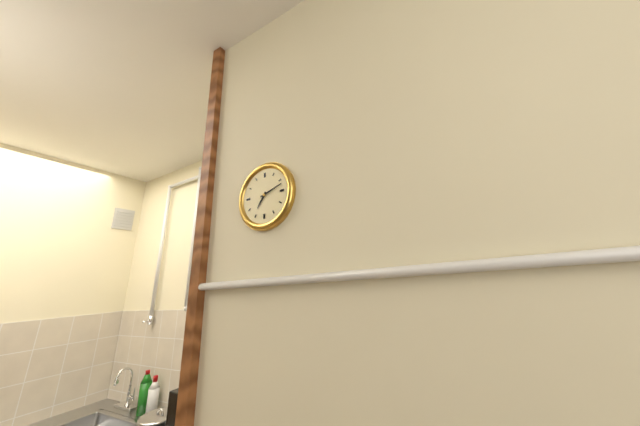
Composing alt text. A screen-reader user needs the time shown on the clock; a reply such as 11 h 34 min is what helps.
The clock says 7 h 12 min
